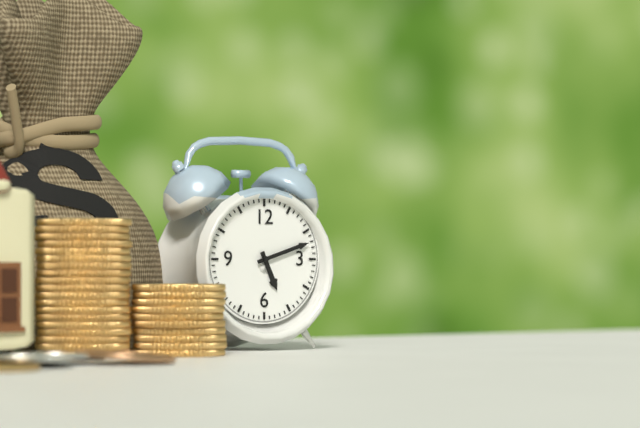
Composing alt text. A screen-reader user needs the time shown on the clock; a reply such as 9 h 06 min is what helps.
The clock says 5 h 12 min
